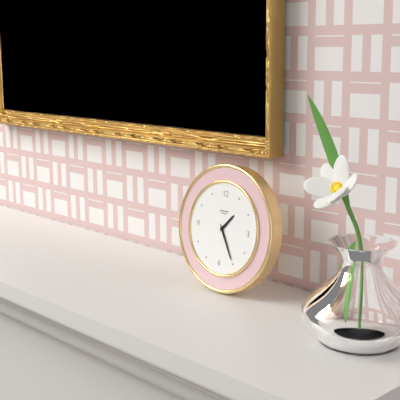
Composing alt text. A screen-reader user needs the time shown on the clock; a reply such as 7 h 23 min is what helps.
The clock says 1 h 25 min
